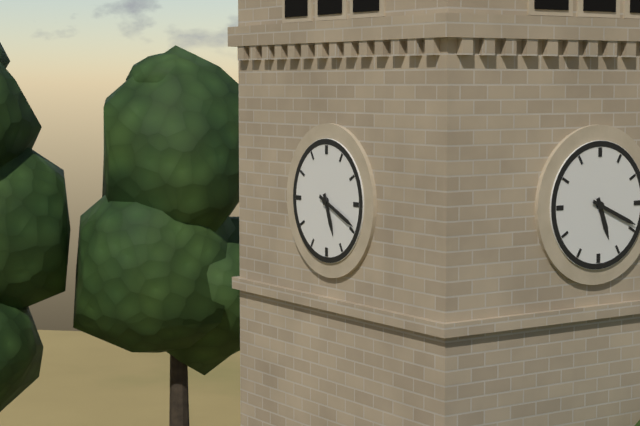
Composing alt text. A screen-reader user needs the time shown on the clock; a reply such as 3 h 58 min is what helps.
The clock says 5 h 19 min
